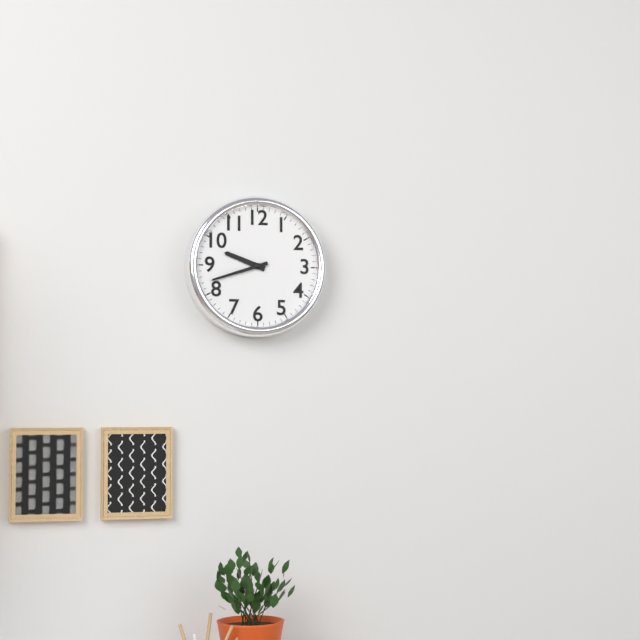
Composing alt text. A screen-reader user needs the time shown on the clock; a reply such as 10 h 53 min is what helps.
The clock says 9 h 42 min
